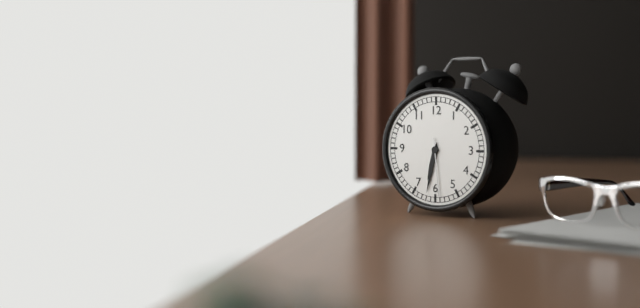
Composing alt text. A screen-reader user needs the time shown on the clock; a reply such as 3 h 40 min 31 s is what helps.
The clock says 6 h 32 min 29 s
